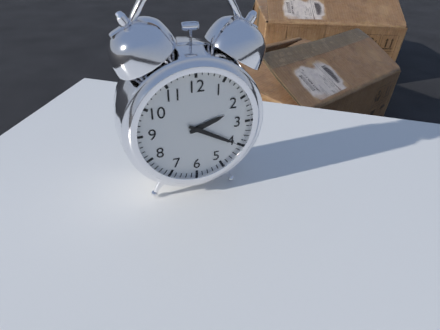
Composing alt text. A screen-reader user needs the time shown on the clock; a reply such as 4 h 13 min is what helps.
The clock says 2 h 20 min
